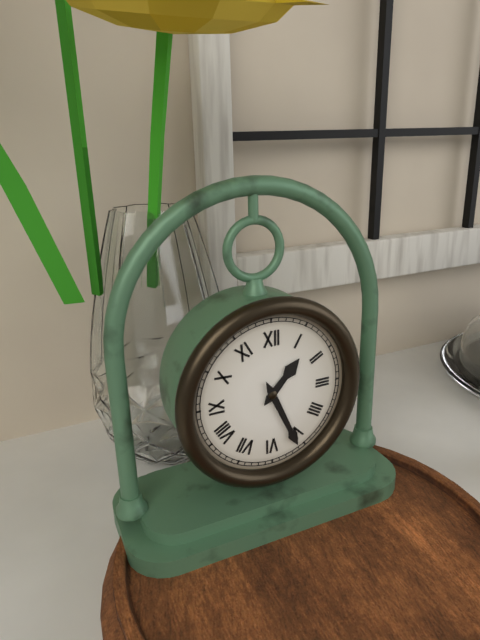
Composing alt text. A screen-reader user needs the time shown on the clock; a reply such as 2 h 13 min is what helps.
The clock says 1 h 26 min
